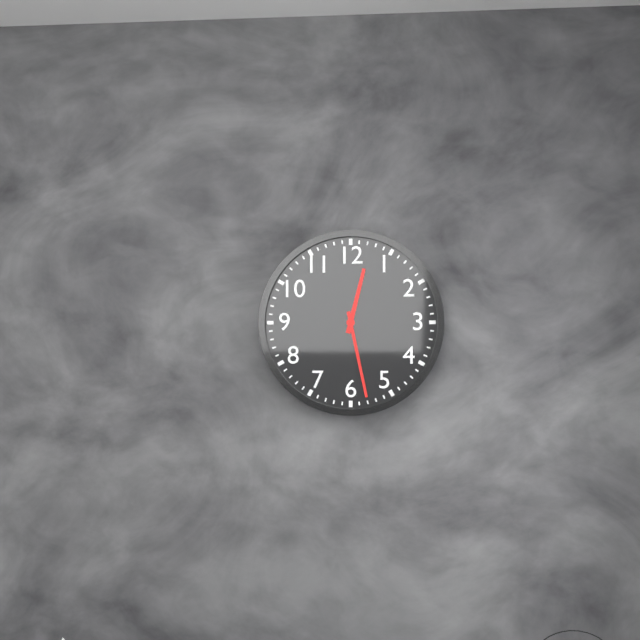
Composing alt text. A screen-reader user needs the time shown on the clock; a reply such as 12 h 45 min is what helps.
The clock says 12 h 28 min
